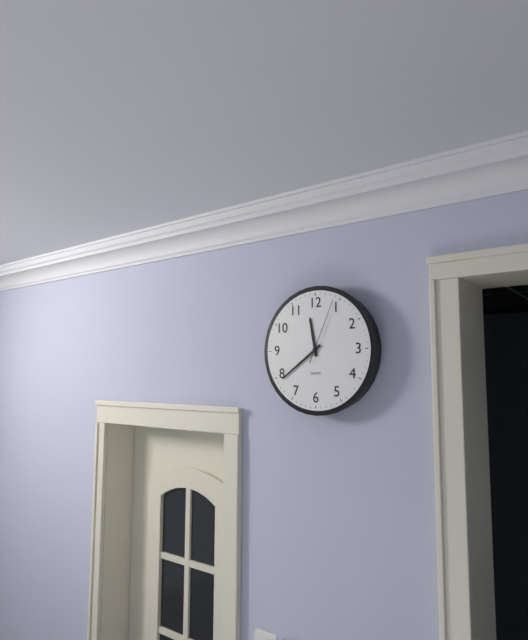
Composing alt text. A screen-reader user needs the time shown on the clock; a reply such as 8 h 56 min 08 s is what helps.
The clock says 11 h 39 min 04 s
